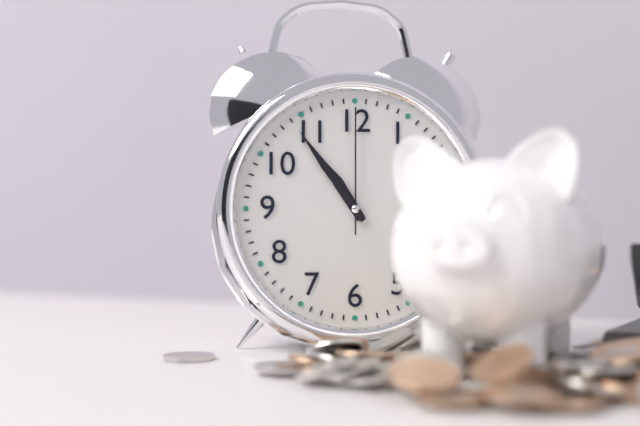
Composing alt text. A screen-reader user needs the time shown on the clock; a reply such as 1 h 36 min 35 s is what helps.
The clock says 10 h 54 min 00 s
